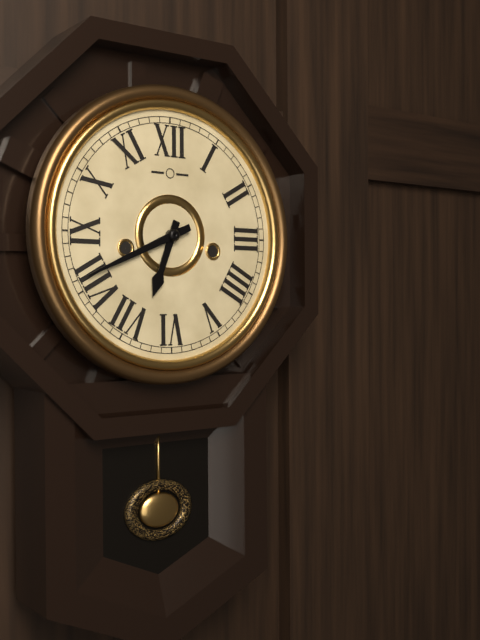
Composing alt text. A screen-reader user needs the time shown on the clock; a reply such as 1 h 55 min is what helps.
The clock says 6 h 41 min
